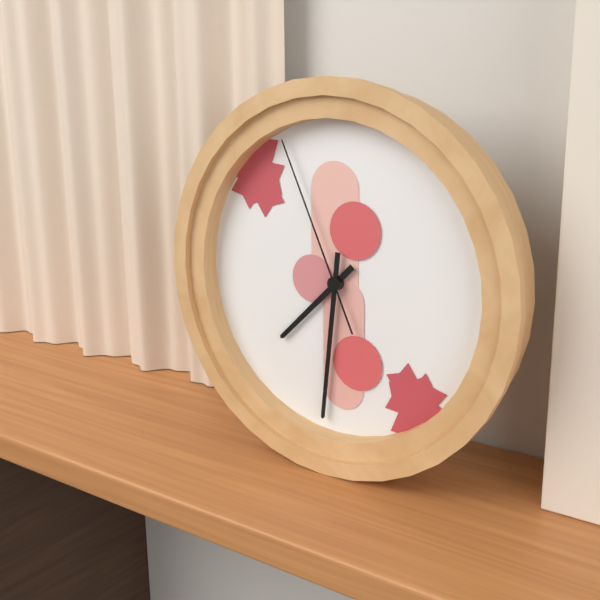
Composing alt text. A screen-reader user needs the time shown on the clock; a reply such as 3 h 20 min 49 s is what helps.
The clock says 7 h 31 min 56 s
